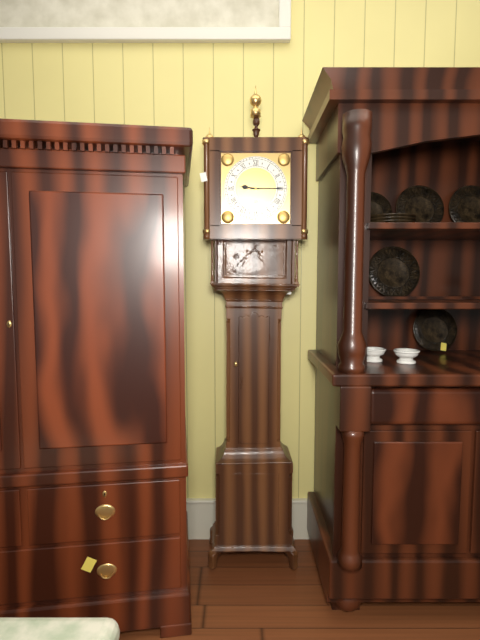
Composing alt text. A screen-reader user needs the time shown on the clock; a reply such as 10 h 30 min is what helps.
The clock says 9 h 15 min
